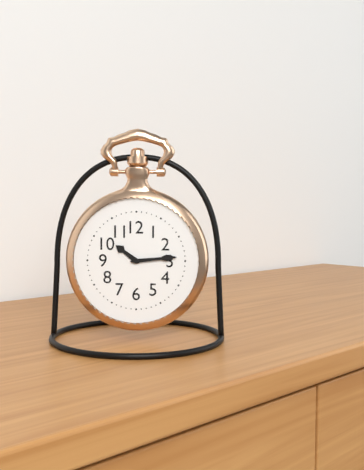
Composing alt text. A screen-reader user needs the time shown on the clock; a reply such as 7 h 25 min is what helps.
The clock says 10 h 14 min
